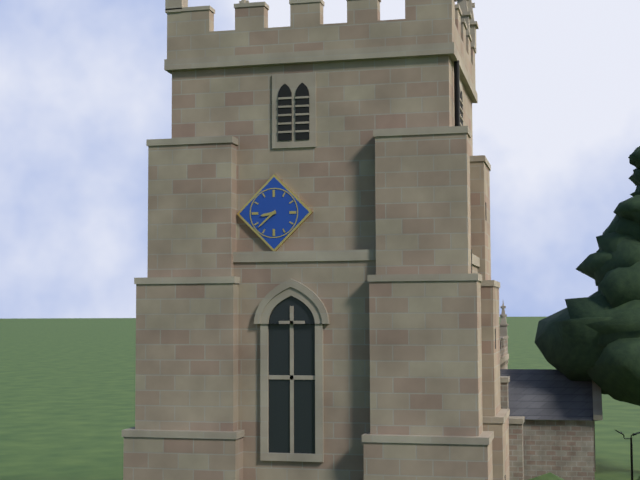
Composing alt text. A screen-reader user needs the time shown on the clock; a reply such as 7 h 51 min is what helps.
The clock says 8 h 38 min
